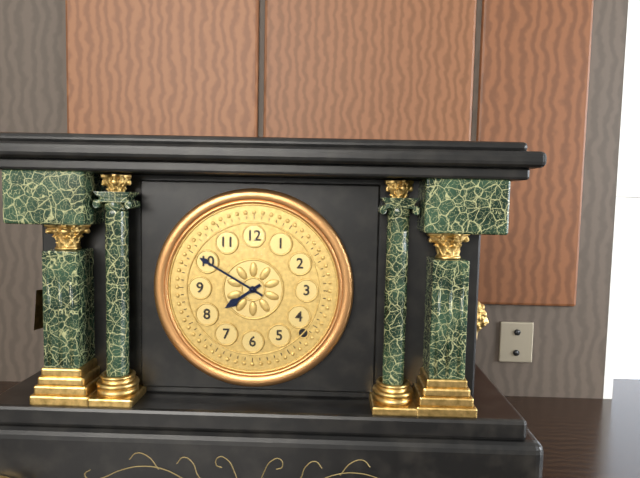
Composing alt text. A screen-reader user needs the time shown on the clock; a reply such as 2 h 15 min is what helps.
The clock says 7 h 50 min
